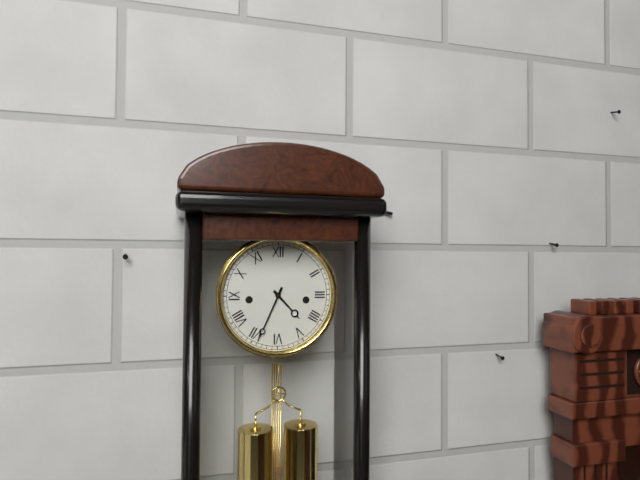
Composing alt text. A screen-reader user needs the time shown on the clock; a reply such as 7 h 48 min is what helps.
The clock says 4 h 34 min
